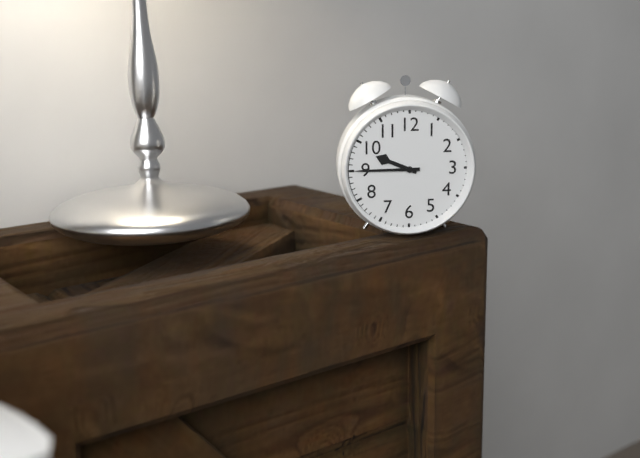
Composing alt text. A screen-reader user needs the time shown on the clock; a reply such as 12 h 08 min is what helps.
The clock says 9 h 45 min
